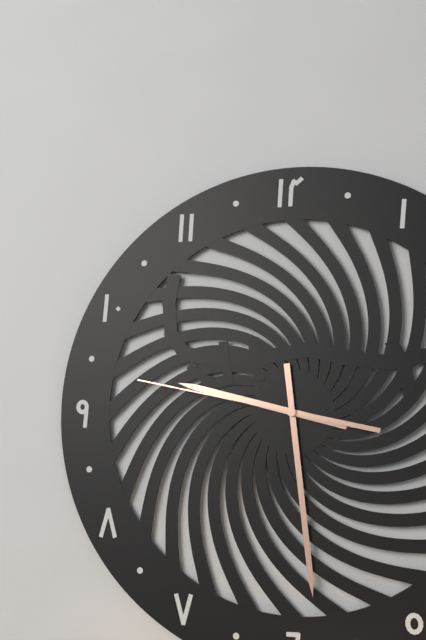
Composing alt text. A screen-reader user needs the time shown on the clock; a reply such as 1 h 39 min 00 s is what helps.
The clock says 9 h 29 min 47 s
